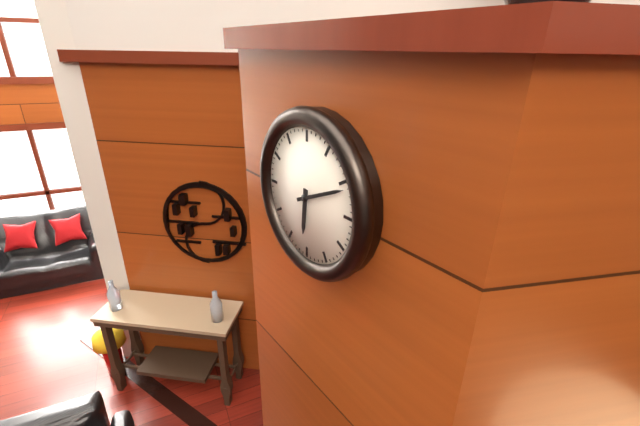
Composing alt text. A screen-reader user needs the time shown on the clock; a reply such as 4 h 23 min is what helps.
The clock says 6 h 11 min
